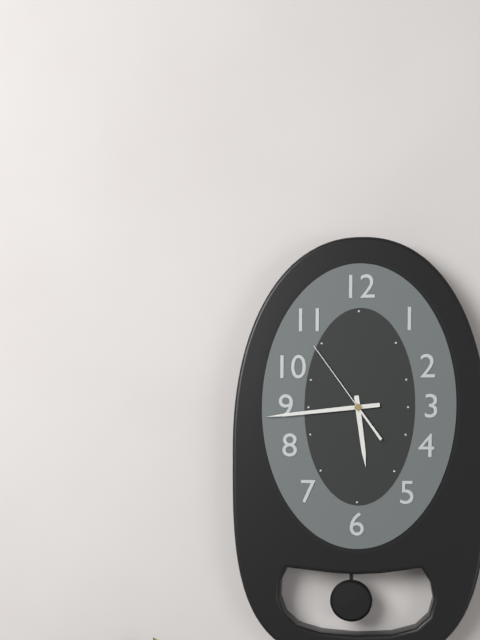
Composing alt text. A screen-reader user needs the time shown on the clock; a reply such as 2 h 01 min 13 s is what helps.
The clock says 5 h 44 min 54 s
